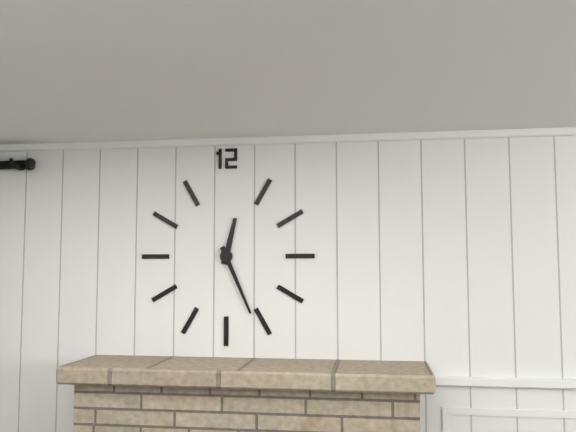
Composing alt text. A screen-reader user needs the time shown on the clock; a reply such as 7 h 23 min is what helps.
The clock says 12 h 26 min
